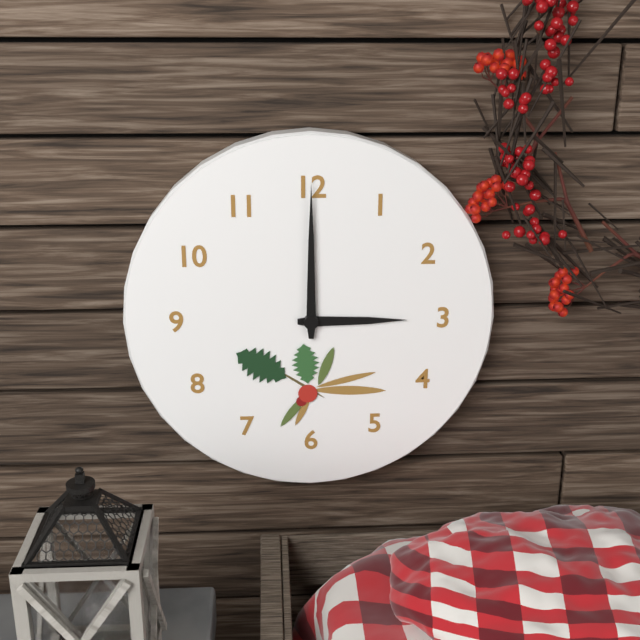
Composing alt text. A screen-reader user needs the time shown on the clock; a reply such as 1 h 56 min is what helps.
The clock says 3 h 00 min
